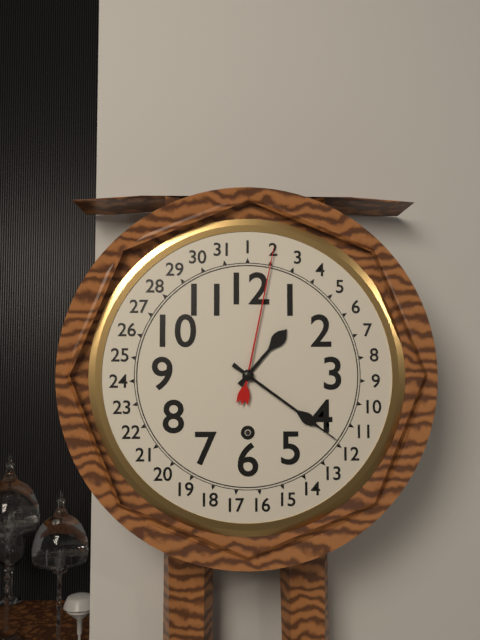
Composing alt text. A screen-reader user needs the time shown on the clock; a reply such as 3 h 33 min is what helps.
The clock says 1 h 21 min
